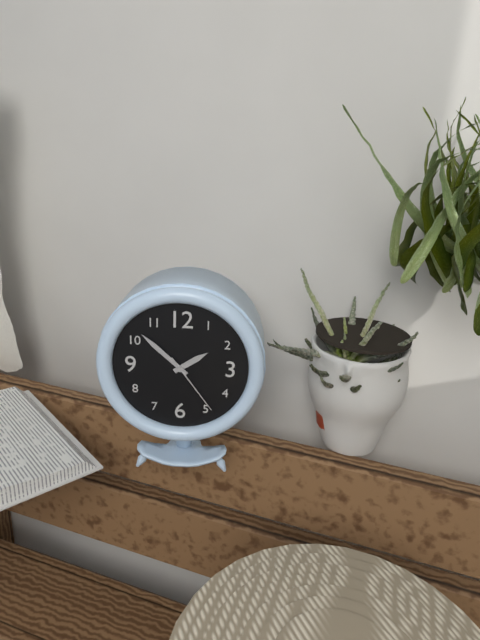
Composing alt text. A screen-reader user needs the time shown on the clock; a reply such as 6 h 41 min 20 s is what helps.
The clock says 1 h 52 min 24 s
